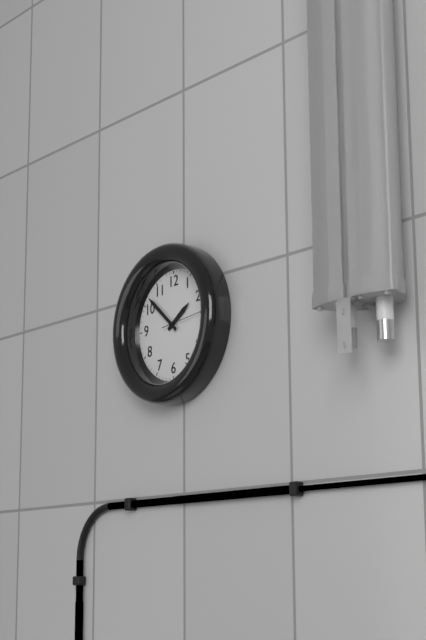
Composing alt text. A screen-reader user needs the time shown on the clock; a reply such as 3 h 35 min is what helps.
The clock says 1 h 52 min
